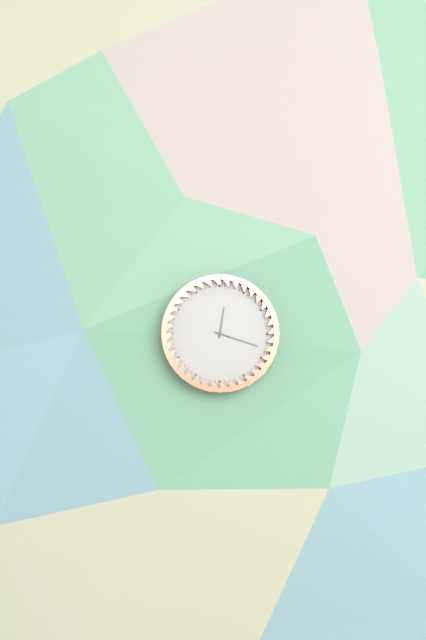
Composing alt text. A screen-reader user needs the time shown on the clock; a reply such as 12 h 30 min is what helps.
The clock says 12 h 18 min
